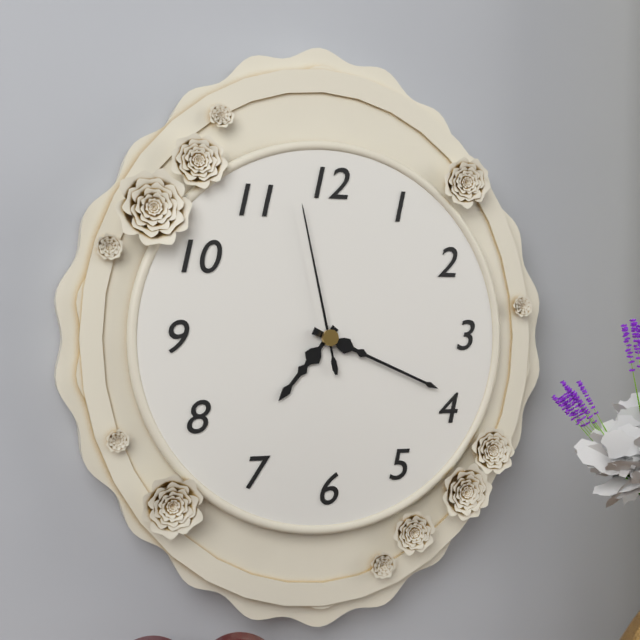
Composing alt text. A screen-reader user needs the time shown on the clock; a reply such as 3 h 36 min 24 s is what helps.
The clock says 7 h 19 min 58 s
